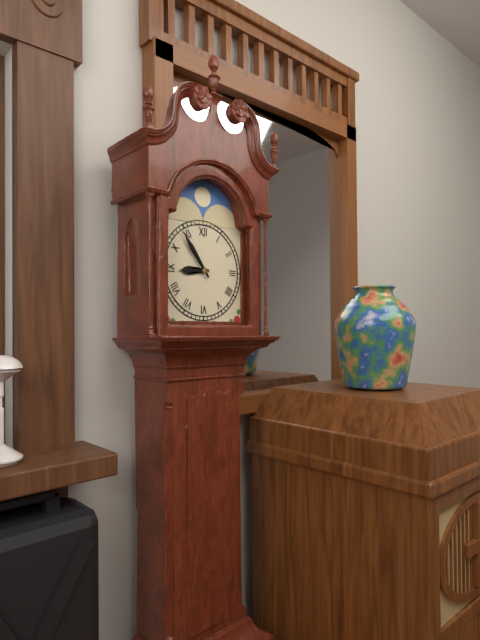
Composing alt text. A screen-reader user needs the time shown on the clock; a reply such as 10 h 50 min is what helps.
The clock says 8 h 54 min
